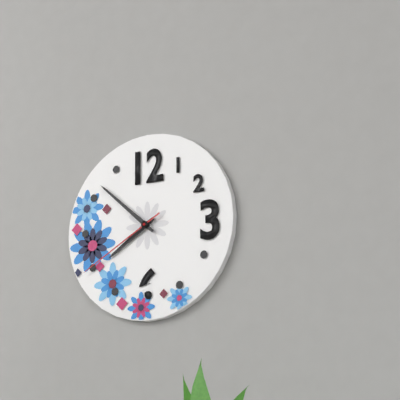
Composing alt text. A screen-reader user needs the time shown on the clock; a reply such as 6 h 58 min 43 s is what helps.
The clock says 7 h 52 min 40 s
